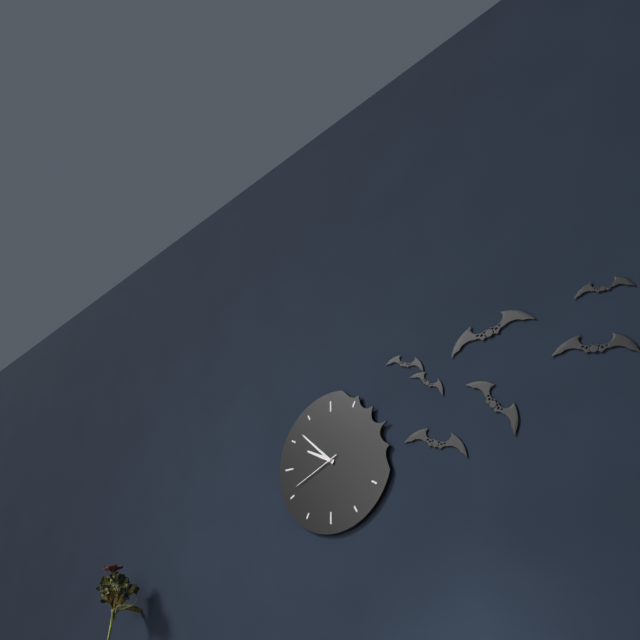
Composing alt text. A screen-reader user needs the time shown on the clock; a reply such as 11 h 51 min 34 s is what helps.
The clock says 9 h 52 min 41 s
